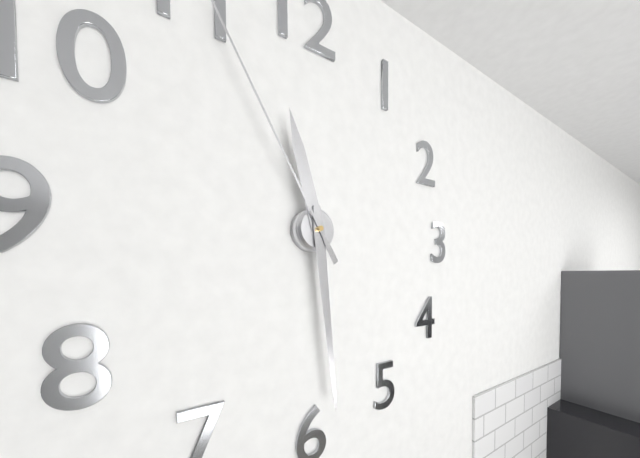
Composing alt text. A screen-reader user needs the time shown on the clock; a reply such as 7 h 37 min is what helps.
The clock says 11 h 29 min
